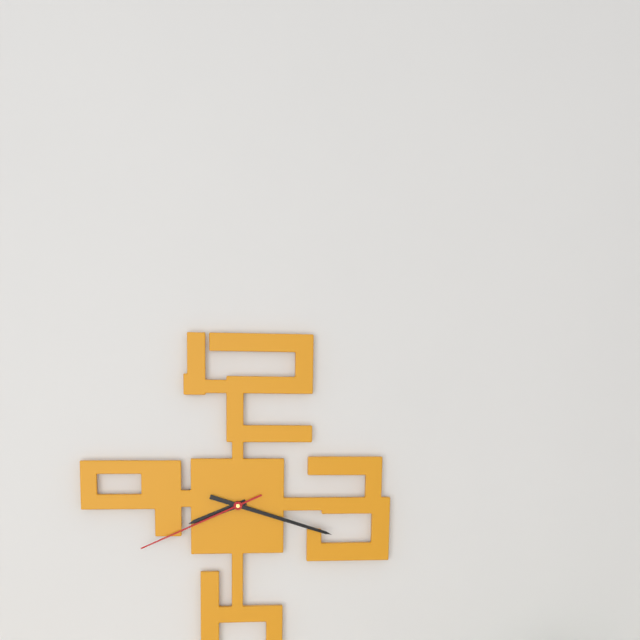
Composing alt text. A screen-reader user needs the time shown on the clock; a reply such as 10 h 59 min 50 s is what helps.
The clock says 8 h 18 min 41 s
